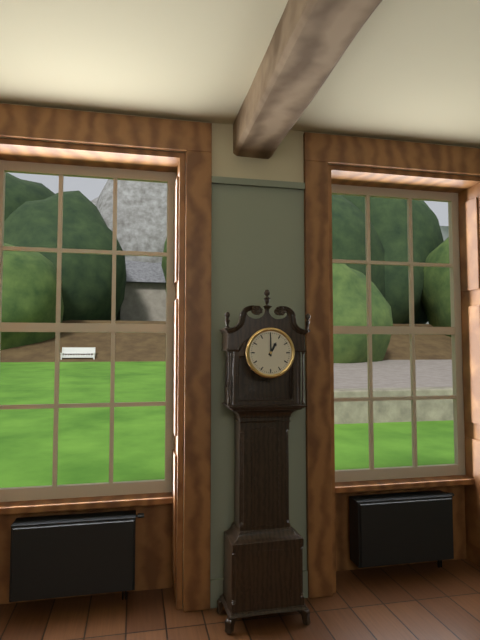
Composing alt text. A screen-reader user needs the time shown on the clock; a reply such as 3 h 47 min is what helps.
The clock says 1 h 00 min
